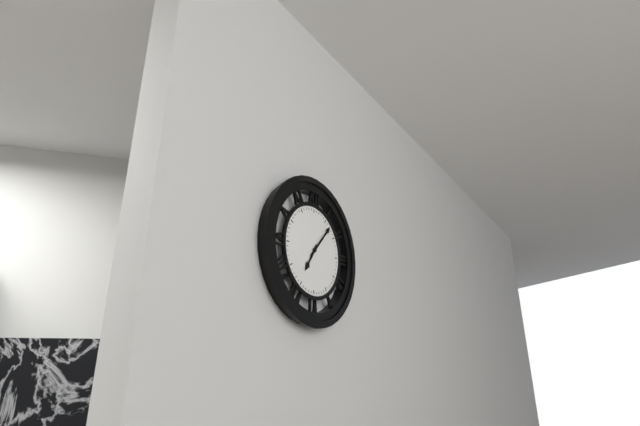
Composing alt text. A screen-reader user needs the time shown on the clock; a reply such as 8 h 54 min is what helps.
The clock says 7 h 07 min
